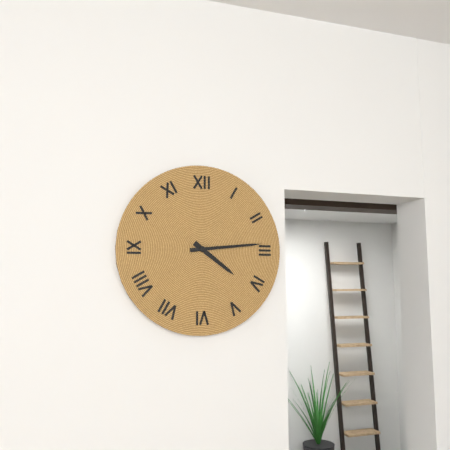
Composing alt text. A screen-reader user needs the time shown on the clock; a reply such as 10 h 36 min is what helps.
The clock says 4 h 14 min
